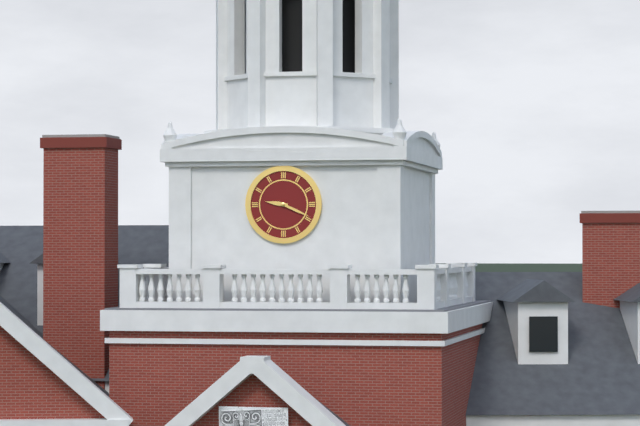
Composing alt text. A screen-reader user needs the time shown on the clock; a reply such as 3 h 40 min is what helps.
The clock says 9 h 19 min
